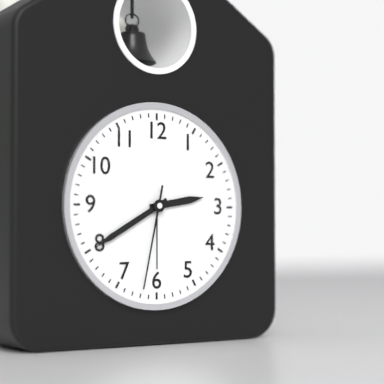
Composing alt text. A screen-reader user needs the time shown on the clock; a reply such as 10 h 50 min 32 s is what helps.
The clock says 2 h 40 min 32 s
